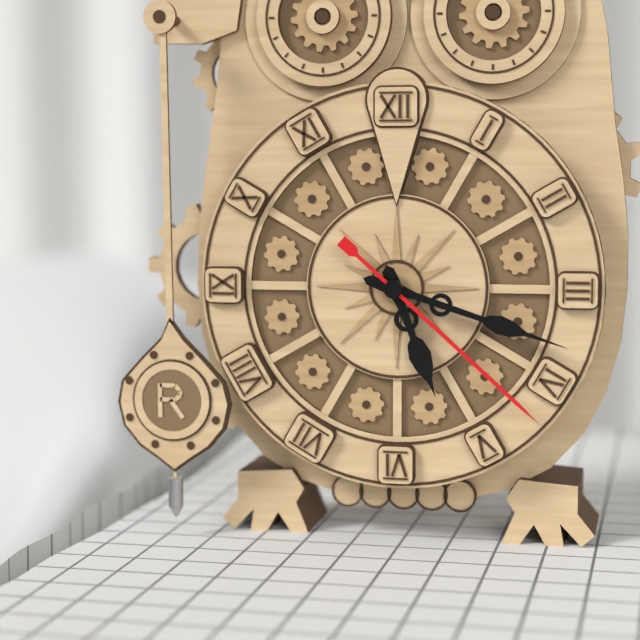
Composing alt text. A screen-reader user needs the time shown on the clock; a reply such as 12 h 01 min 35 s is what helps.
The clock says 5 h 18 min 22 s
